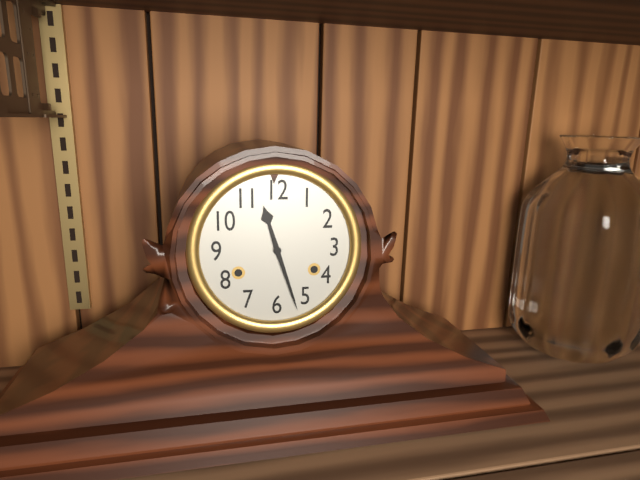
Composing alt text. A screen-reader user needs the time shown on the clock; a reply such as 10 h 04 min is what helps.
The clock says 11 h 27 min
